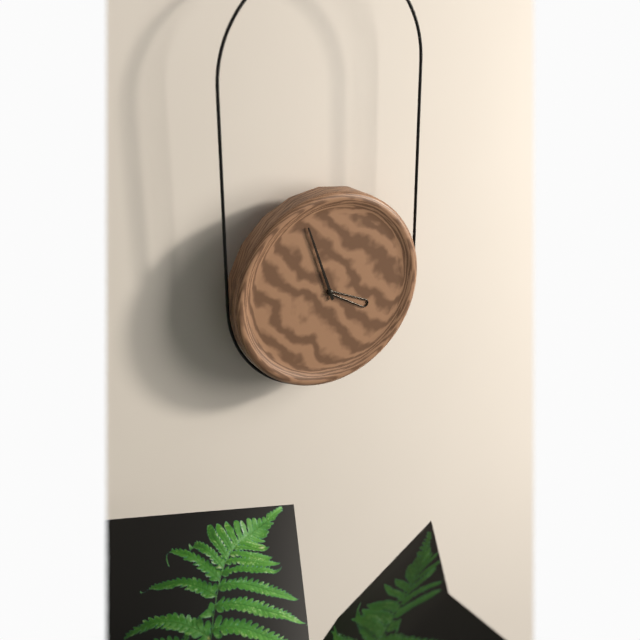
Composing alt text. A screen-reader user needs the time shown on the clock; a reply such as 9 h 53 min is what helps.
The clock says 3 h 57 min
